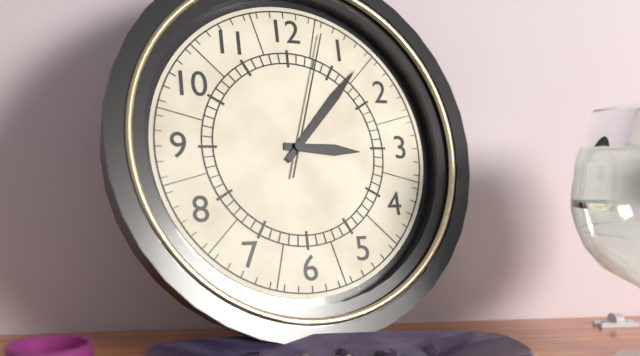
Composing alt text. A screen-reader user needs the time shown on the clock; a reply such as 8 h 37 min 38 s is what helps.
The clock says 3 h 07 min 03 s
